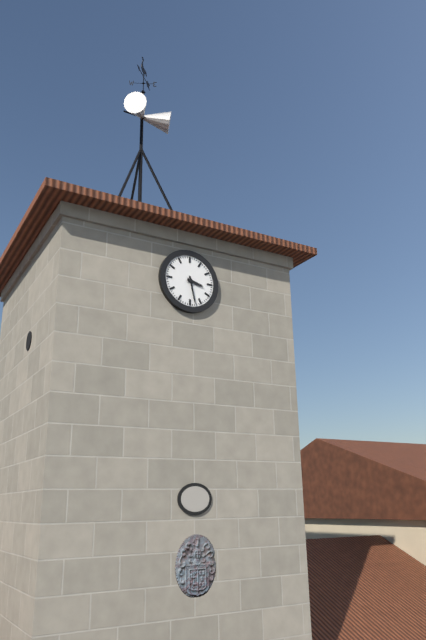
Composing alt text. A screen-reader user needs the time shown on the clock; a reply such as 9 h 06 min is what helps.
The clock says 3 h 28 min
